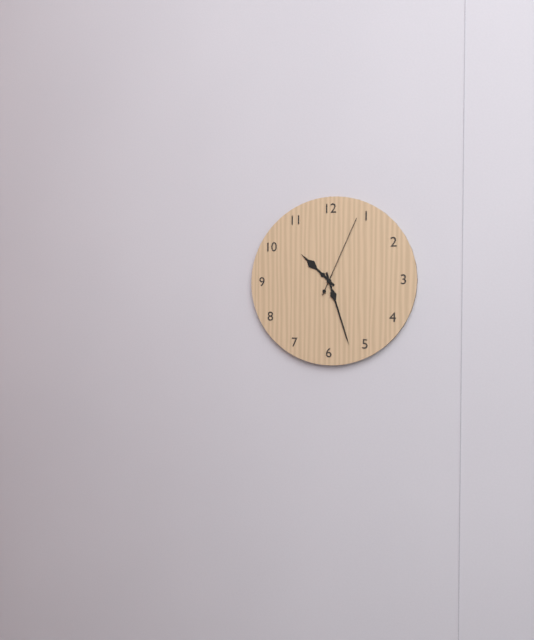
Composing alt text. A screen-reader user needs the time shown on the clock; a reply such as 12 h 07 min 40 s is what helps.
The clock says 10 h 27 min 04 s
